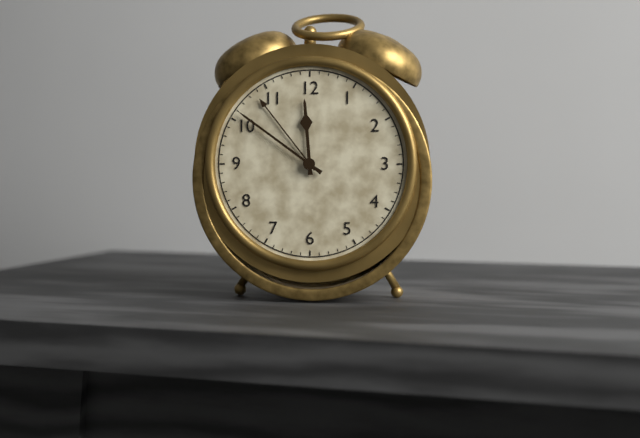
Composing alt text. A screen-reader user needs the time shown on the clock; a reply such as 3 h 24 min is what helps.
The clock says 11 h 51 min
